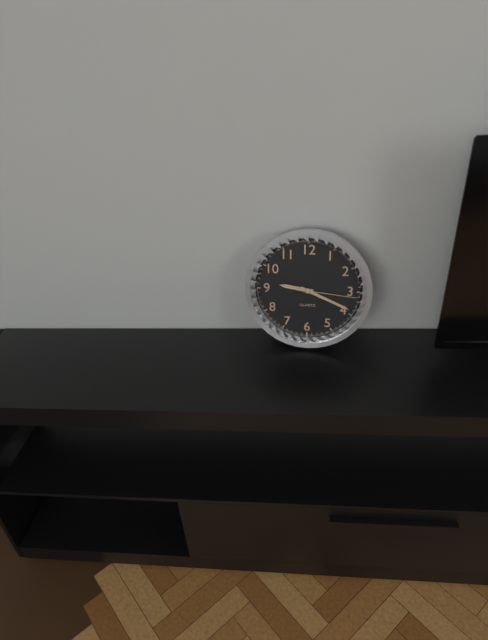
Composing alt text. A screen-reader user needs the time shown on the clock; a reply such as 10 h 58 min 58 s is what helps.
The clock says 9 h 19 min 16 s
